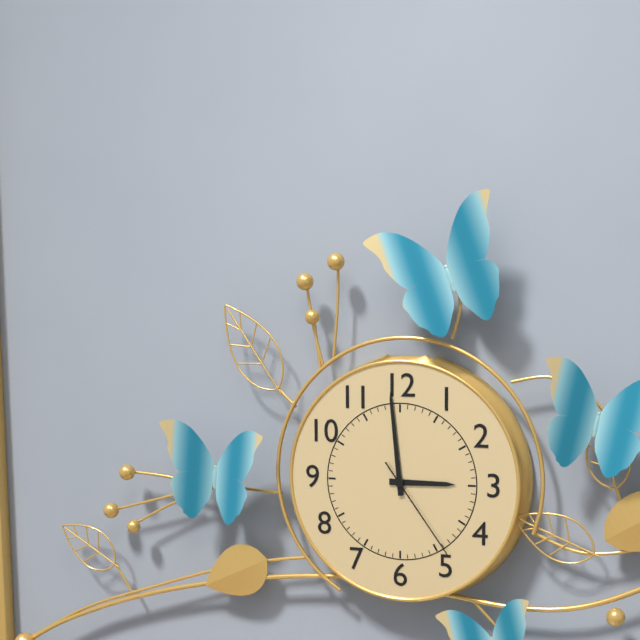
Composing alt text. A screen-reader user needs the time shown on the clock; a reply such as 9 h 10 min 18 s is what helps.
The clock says 2 h 59 min 24 s
